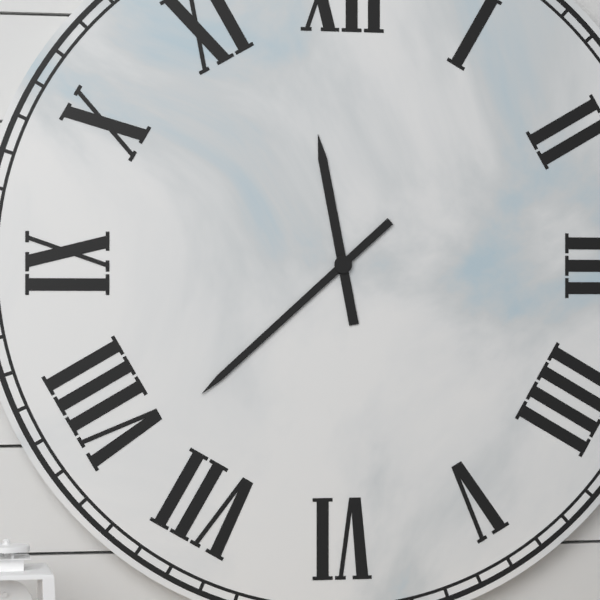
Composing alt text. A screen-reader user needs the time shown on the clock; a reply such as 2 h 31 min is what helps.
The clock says 11 h 38 min
